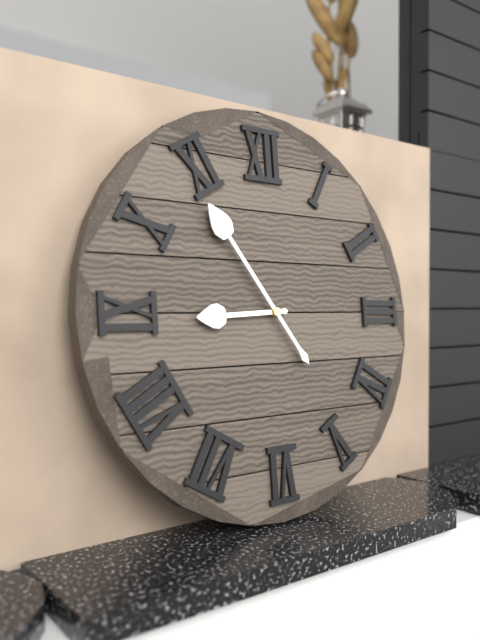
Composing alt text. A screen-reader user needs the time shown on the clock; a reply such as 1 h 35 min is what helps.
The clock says 8 h 54 min
